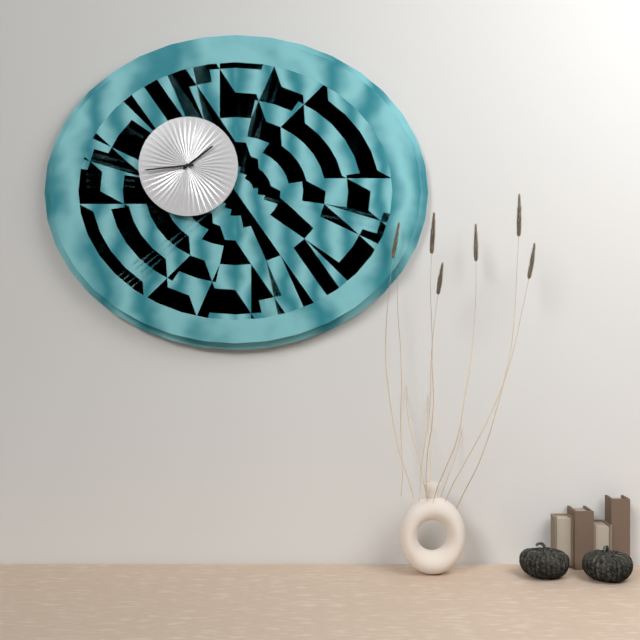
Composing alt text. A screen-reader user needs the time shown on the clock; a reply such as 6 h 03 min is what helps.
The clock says 1 h 44 min
